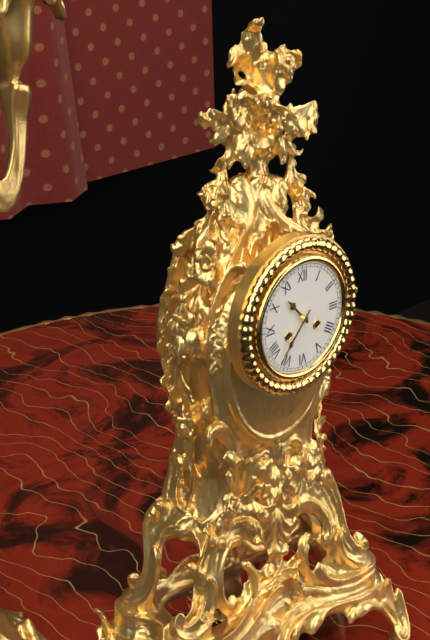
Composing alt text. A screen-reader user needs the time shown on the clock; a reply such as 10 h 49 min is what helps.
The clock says 10 h 37 min
